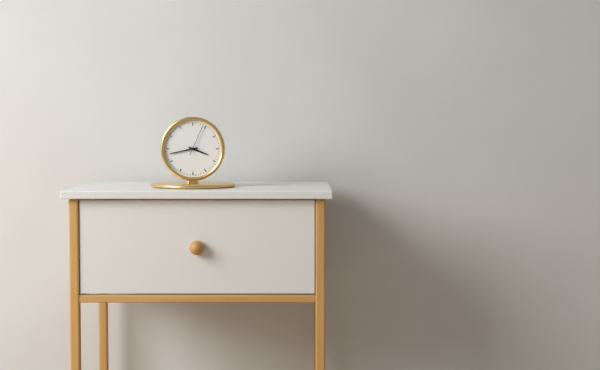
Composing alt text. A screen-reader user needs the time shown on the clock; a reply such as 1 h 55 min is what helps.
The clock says 3 h 43 min
